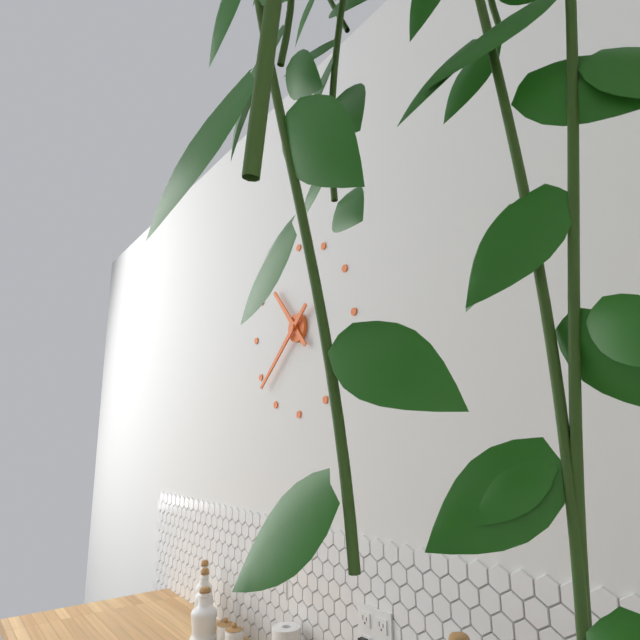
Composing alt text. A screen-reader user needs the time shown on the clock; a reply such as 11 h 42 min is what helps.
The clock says 10 h 38 min
